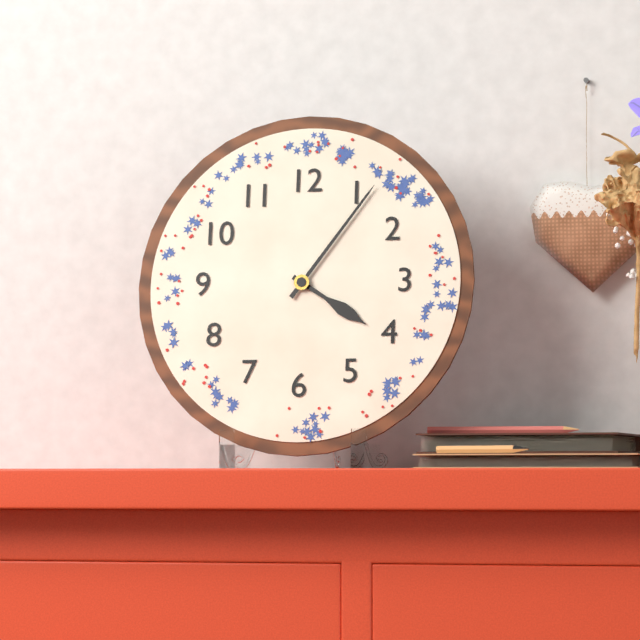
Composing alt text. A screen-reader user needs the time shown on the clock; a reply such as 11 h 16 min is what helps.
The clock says 4 h 06 min
